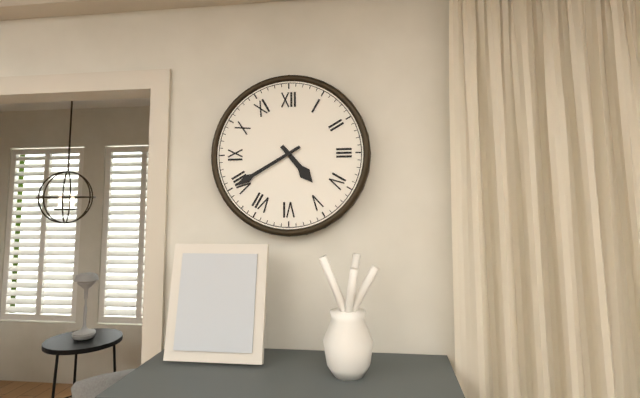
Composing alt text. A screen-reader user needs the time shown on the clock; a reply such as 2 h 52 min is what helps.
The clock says 4 h 40 min
